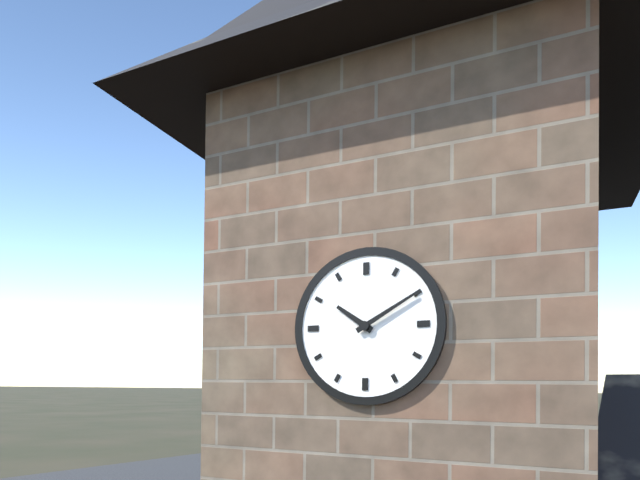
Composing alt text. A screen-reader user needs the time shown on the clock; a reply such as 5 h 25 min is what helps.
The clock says 10 h 10 min
